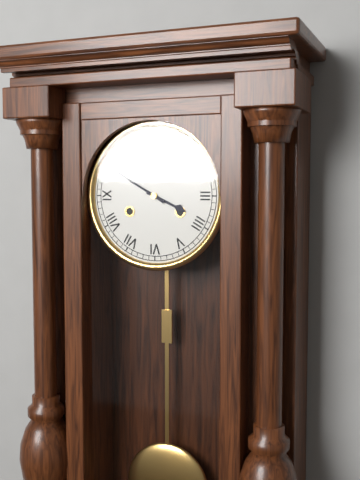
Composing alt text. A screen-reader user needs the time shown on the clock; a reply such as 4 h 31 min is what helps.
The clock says 3 h 50 min
